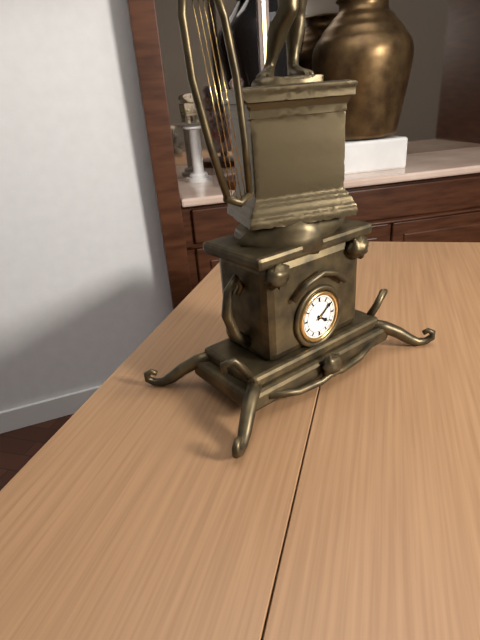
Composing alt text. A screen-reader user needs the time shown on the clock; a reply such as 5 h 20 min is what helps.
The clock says 4 h 09 min
